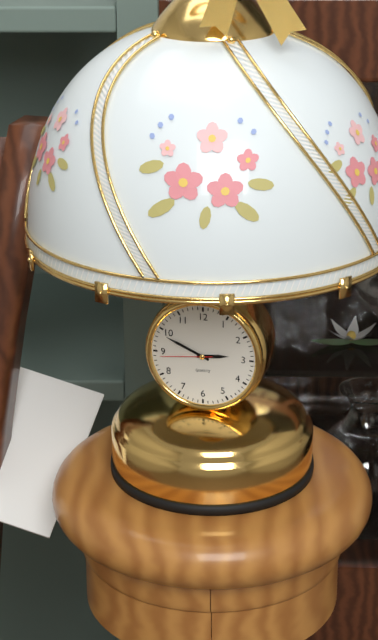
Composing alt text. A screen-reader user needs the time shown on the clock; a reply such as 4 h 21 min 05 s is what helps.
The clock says 2 h 49 min 44 s
